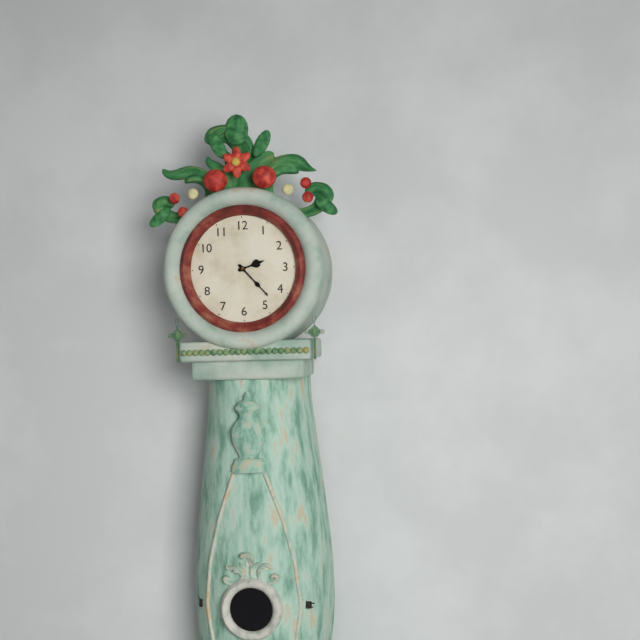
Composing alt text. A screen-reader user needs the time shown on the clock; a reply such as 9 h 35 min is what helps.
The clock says 2 h 23 min
